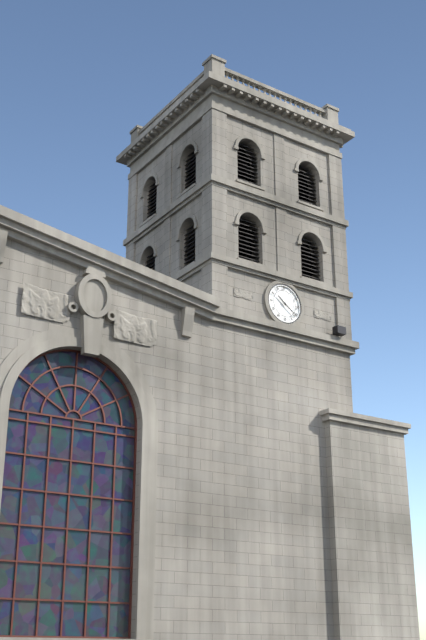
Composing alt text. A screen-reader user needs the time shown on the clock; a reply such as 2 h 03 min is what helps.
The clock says 10 h 21 min
